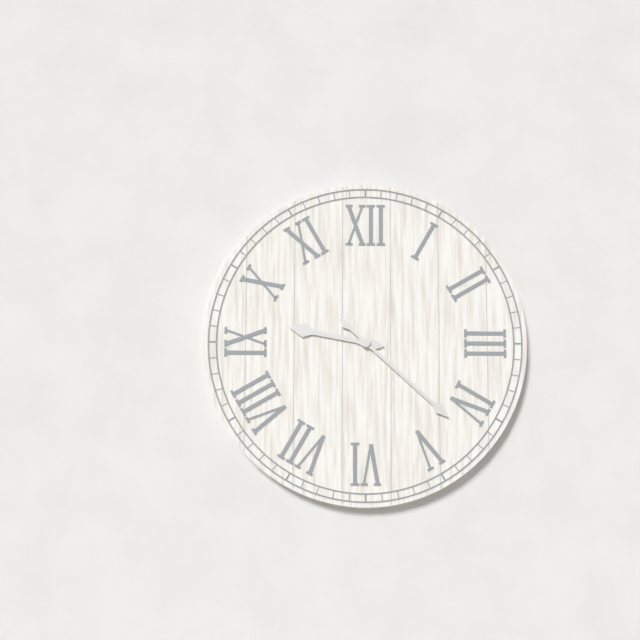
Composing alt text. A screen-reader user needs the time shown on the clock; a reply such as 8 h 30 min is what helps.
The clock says 9 h 22 min
